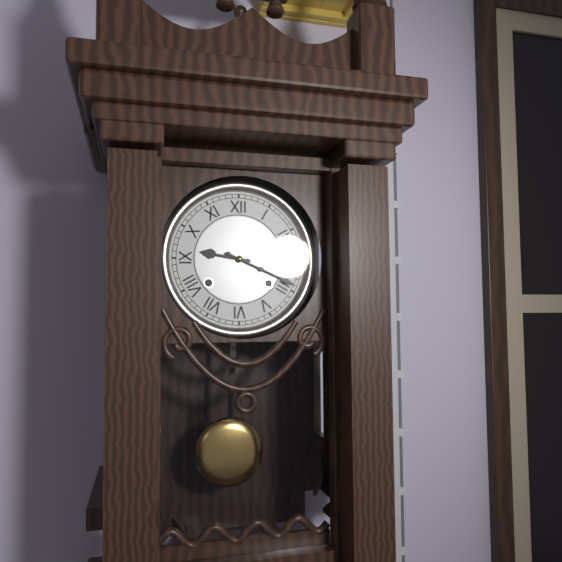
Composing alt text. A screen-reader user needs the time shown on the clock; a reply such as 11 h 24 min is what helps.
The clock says 9 h 19 min
